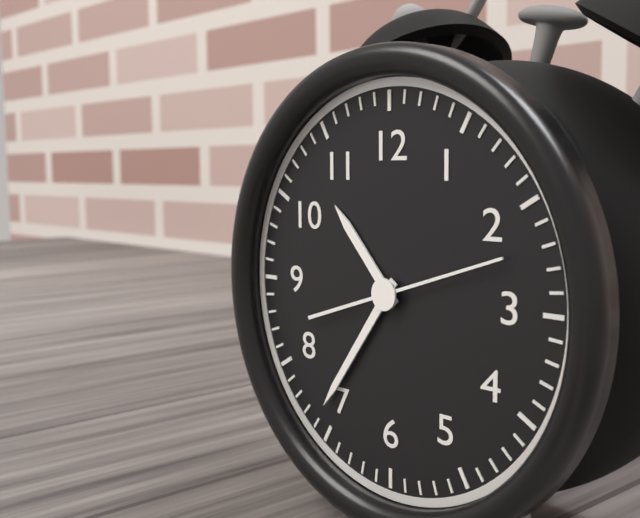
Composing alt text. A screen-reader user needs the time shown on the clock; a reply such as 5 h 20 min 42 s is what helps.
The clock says 10 h 36 min 12 s
